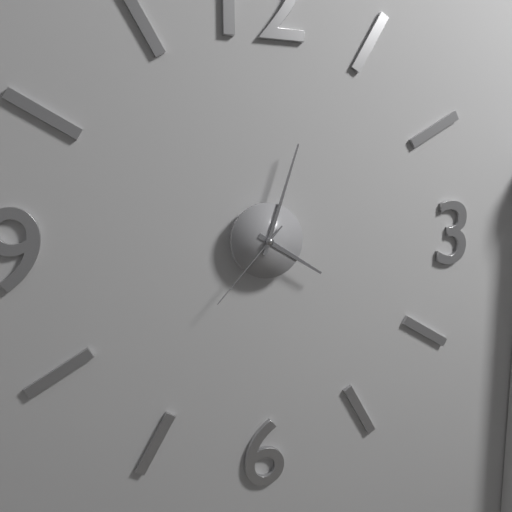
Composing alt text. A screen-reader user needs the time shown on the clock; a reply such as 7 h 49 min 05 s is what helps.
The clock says 4 h 03 min 37 s
